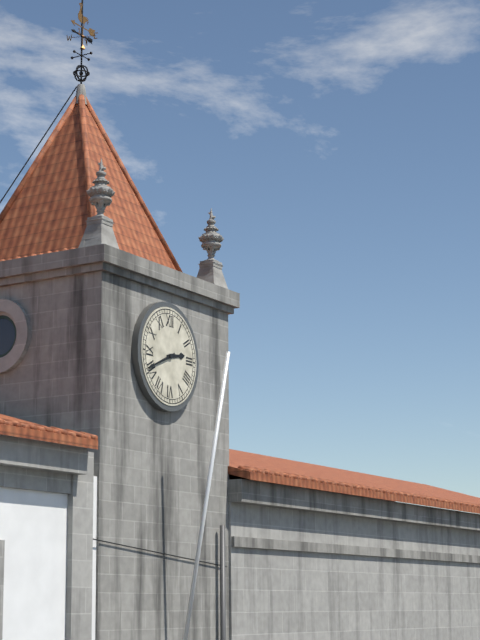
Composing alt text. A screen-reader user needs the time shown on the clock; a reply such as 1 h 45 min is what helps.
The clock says 2 h 41 min
